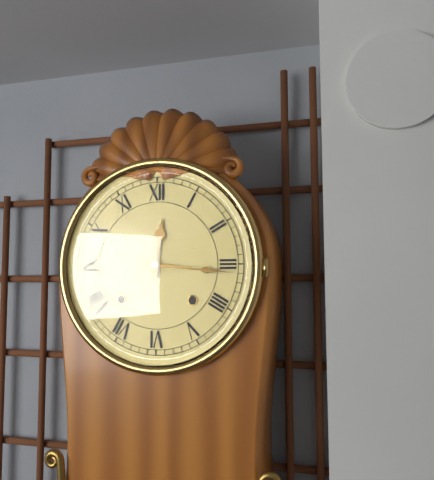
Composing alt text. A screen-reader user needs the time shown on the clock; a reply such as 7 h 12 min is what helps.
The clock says 12 h 16 min
